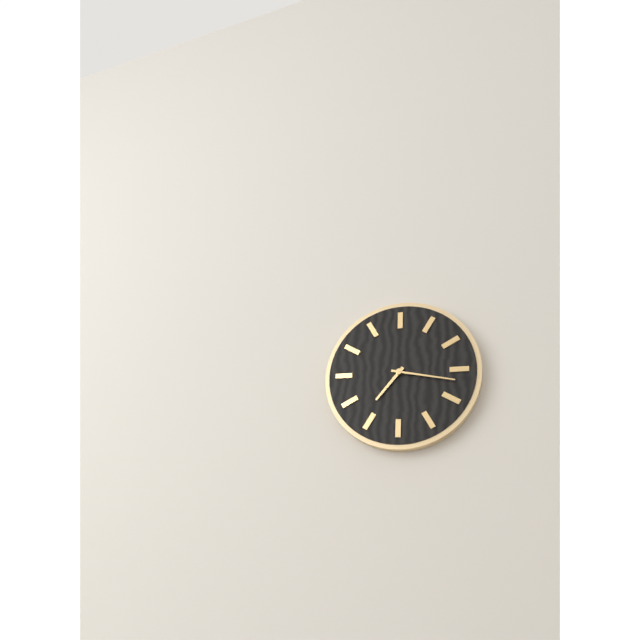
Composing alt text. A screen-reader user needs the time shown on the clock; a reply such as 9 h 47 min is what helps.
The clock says 7 h 17 min
